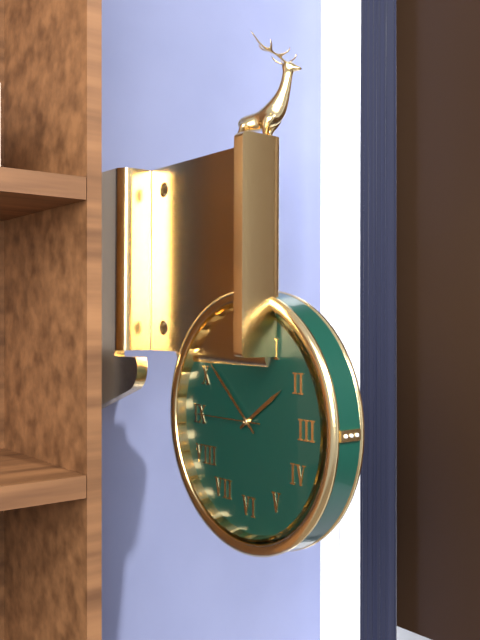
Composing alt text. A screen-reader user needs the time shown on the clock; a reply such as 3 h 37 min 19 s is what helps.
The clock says 1 h 52 min 45 s
